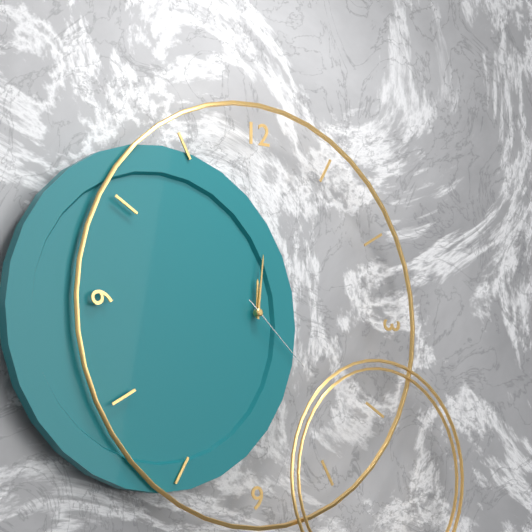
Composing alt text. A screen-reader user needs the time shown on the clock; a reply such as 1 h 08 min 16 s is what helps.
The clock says 12 h 01 min 22 s
